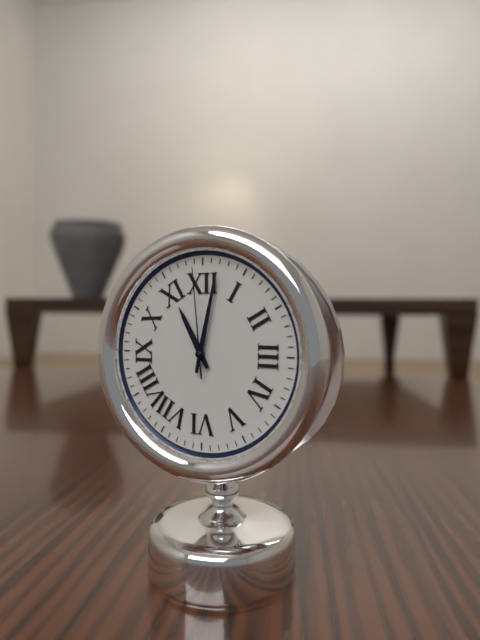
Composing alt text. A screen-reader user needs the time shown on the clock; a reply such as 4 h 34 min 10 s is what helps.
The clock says 11 h 02 min 59 s
